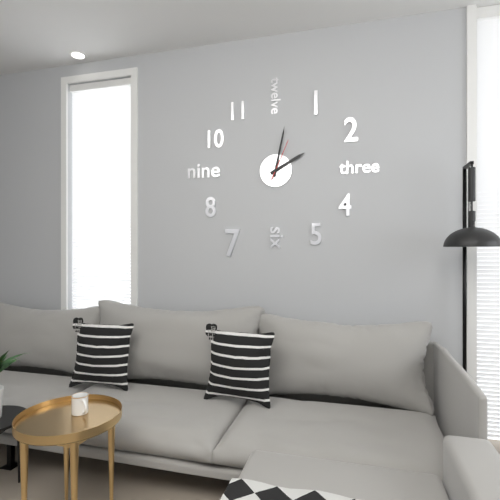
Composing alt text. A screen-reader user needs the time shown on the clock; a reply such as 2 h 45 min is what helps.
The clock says 2 h 02 min
